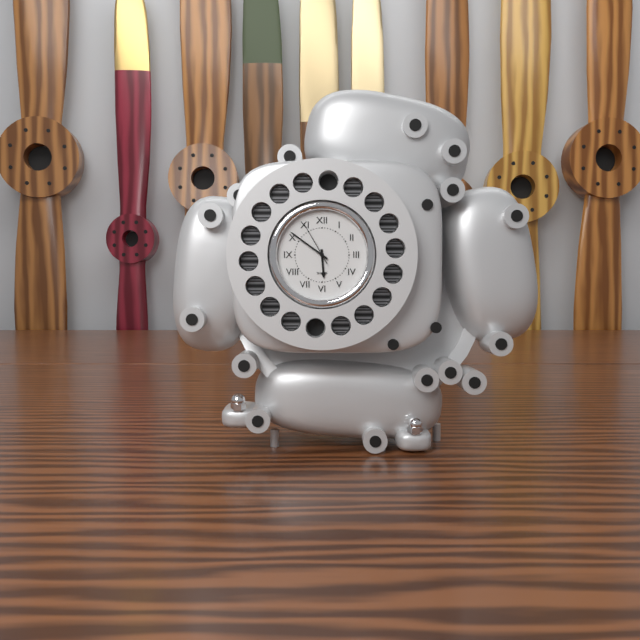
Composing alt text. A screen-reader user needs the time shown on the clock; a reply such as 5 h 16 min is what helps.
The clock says 5 h 51 min
